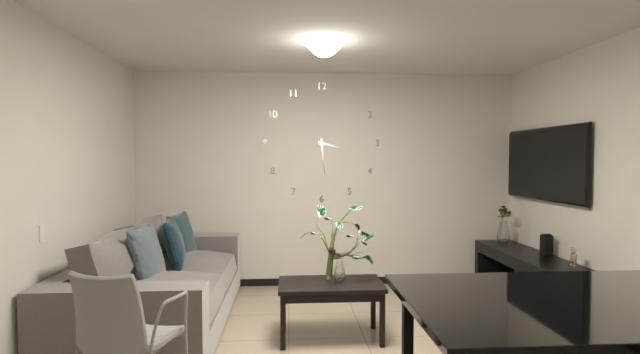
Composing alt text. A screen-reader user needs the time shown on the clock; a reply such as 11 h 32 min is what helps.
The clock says 3 h 29 min
